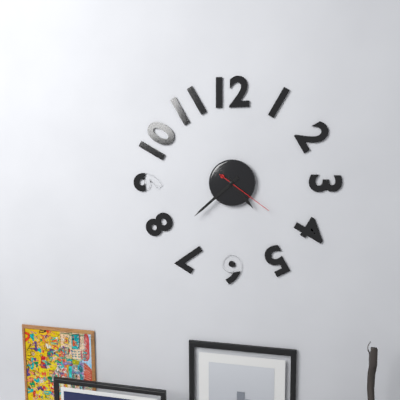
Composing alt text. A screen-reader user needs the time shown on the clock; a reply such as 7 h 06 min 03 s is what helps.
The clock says 4 h 38 min 21 s
